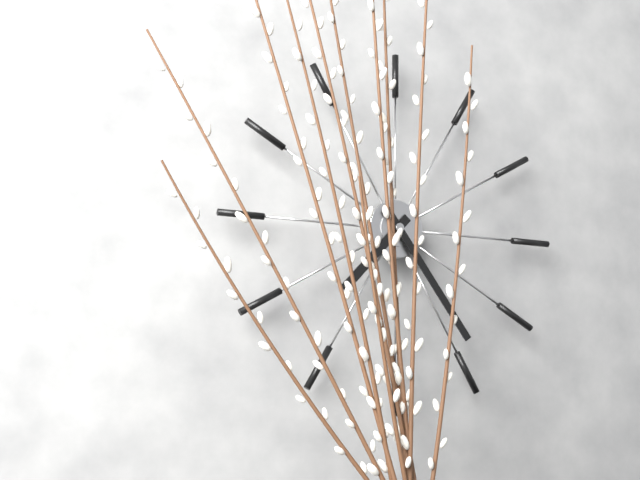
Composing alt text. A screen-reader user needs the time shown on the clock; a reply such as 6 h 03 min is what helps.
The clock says 7 h 24 min
